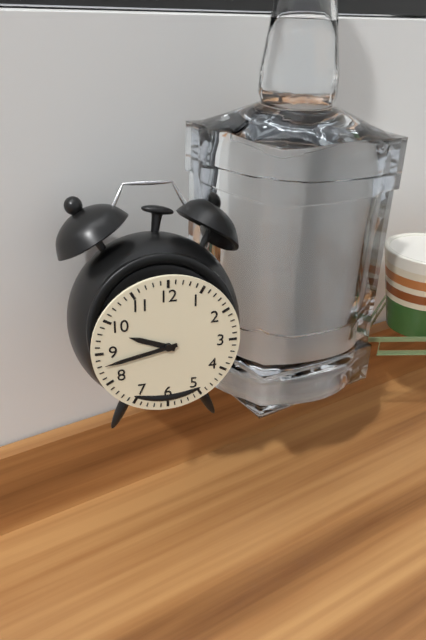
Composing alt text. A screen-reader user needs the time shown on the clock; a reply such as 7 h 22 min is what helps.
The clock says 9 h 43 min
